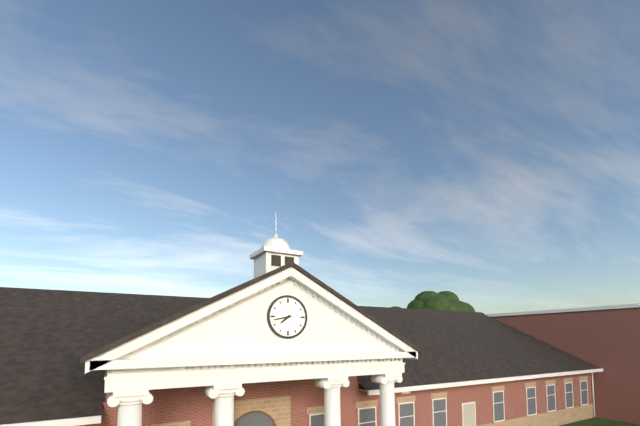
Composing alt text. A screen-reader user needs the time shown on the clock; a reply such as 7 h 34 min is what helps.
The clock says 7 h 43 min
